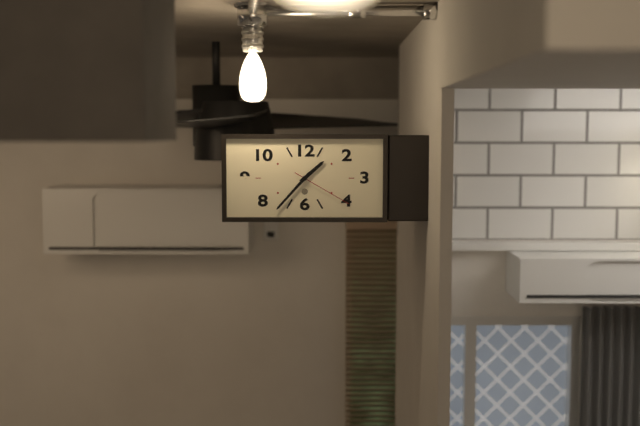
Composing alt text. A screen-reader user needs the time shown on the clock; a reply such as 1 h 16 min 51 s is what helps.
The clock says 1 h 37 min 20 s
